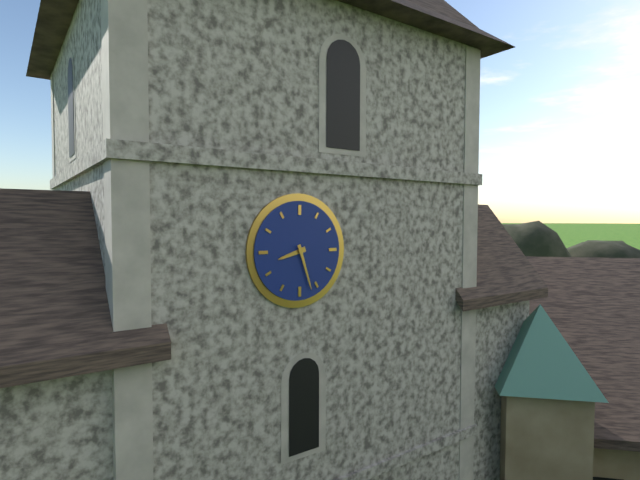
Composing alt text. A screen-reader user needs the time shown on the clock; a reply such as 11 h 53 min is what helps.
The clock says 8 h 27 min
